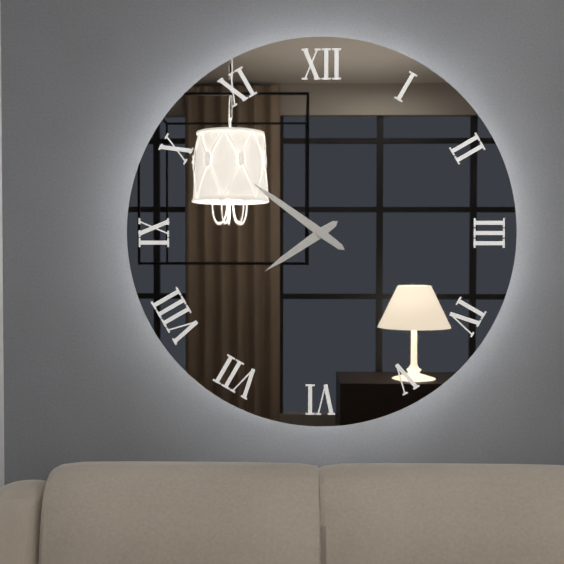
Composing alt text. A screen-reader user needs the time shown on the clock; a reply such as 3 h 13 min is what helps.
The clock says 7 h 51 min
